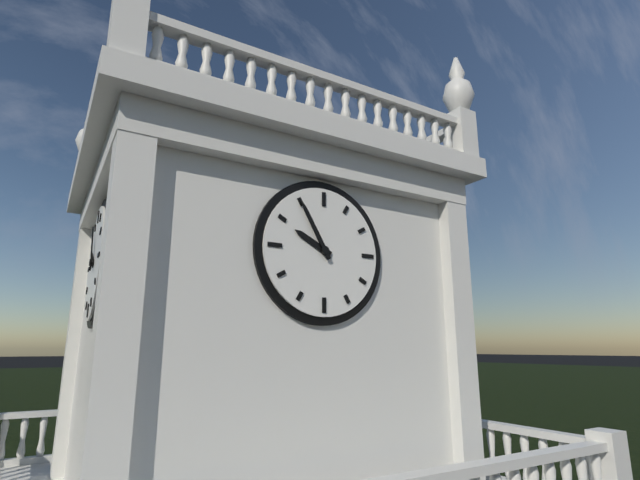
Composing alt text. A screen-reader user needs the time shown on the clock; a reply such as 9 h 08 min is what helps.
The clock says 9 h 55 min
